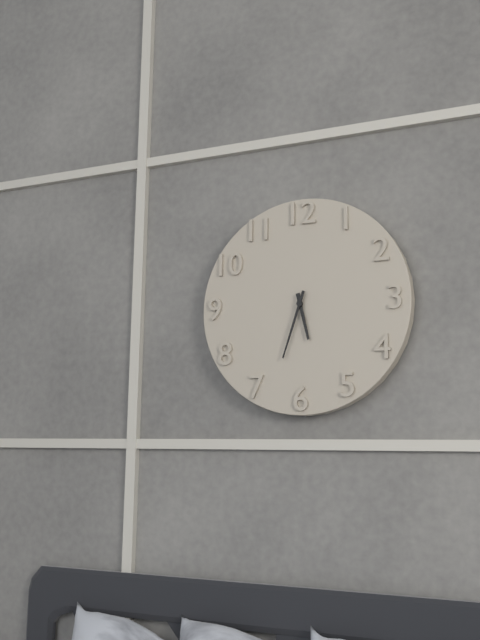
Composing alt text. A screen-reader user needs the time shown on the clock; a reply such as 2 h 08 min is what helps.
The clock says 5 h 33 min
